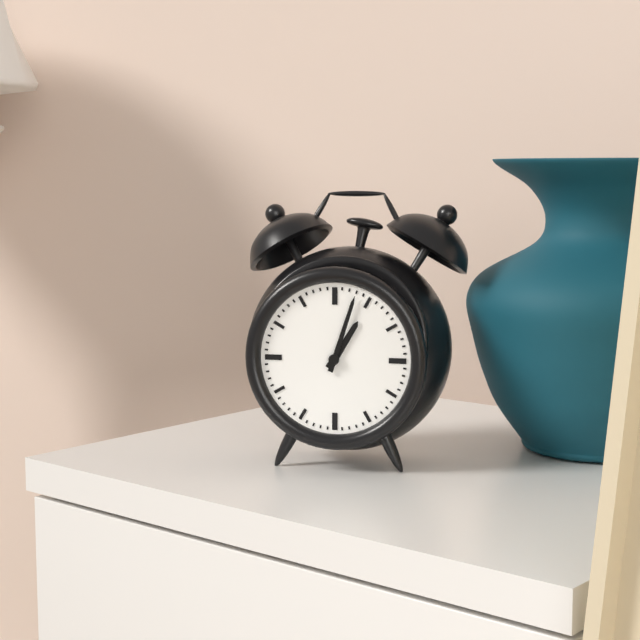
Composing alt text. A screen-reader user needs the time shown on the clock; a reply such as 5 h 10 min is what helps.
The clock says 1 h 03 min
